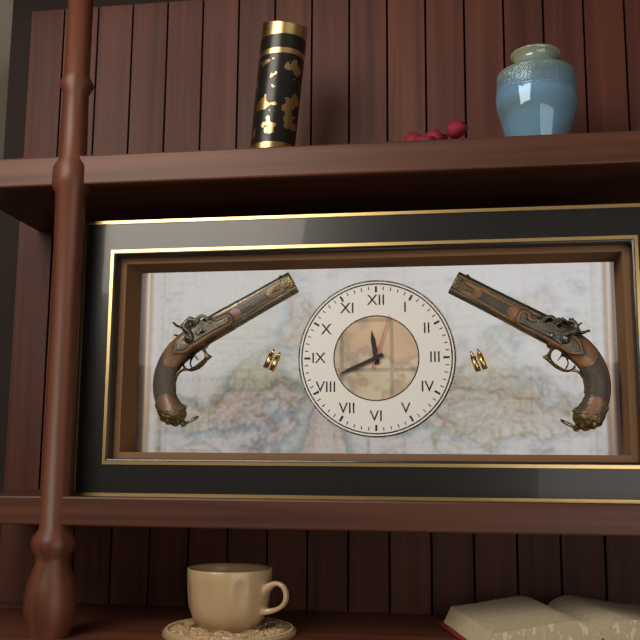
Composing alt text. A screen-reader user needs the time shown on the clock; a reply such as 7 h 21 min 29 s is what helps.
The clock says 11 h 41 min 03 s
